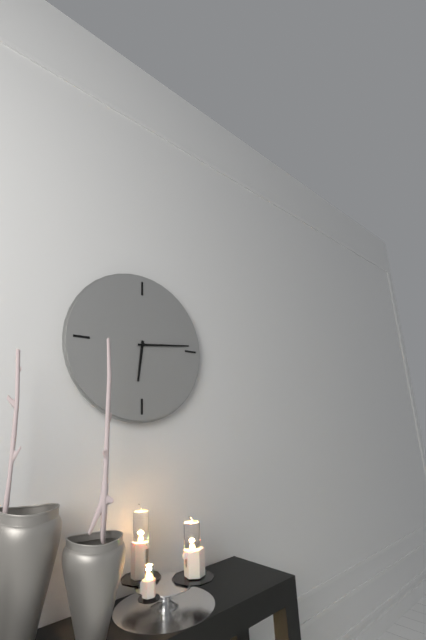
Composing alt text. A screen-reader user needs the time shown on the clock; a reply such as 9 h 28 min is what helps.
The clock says 6 h 14 min
